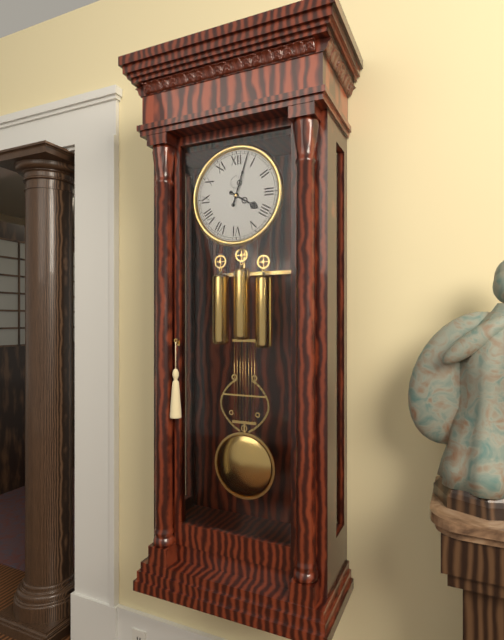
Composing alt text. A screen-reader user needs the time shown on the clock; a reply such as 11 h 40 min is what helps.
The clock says 4 h 03 min
